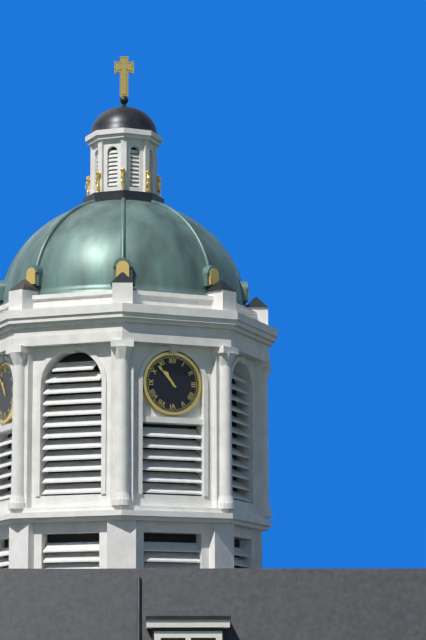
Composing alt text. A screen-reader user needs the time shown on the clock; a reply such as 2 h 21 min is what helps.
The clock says 10 h 53 min
